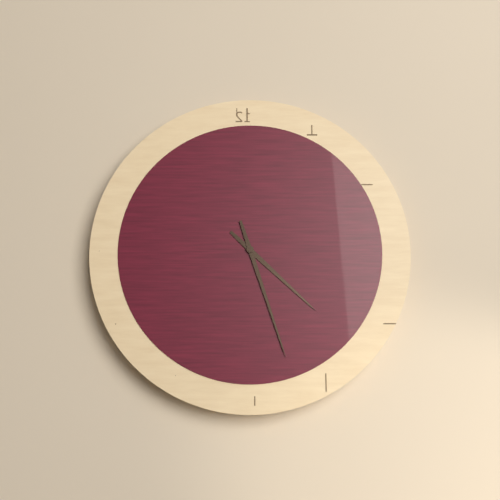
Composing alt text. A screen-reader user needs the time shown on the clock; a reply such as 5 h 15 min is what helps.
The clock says 4 h 27 min
